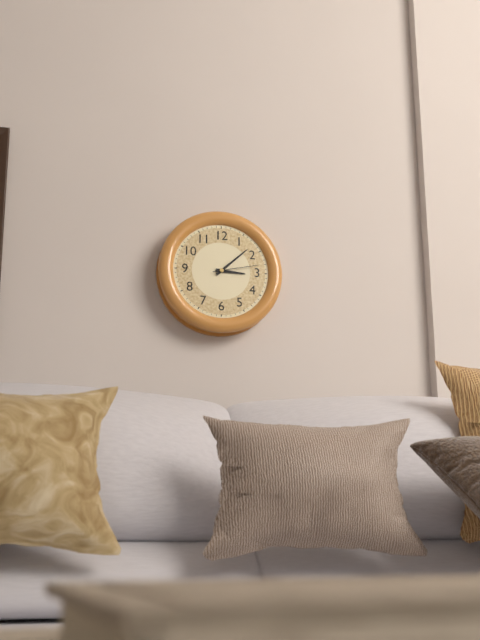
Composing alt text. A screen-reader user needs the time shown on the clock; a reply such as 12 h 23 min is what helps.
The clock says 3 h 08 min
